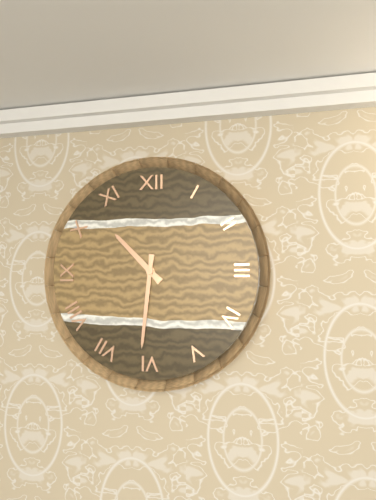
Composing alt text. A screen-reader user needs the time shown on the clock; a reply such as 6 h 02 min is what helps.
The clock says 10 h 31 min
